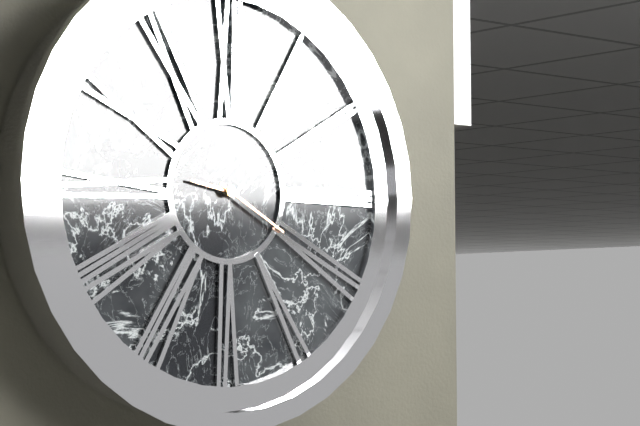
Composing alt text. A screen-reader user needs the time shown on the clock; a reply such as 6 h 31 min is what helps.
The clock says 9 h 20 min
